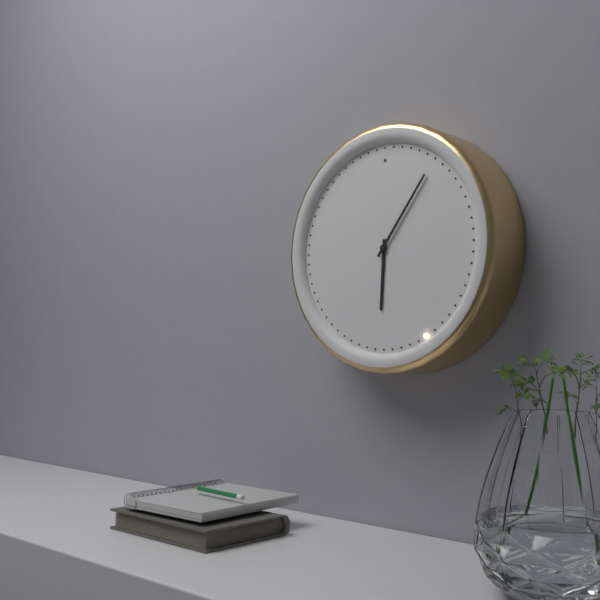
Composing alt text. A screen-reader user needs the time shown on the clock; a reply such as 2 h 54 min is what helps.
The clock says 6 h 06 min
